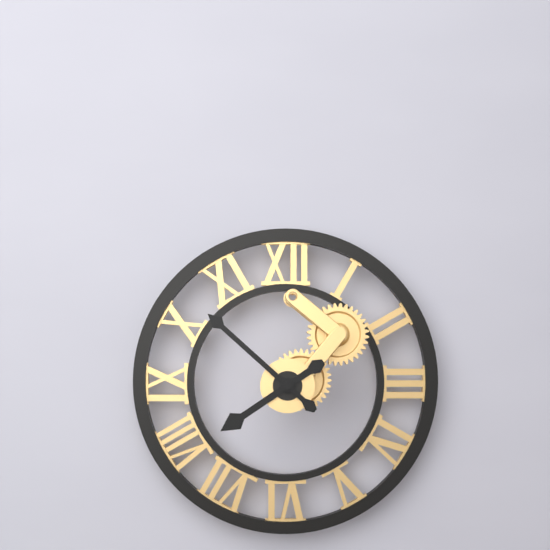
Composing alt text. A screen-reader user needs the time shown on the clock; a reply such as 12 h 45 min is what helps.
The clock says 7 h 52 min
